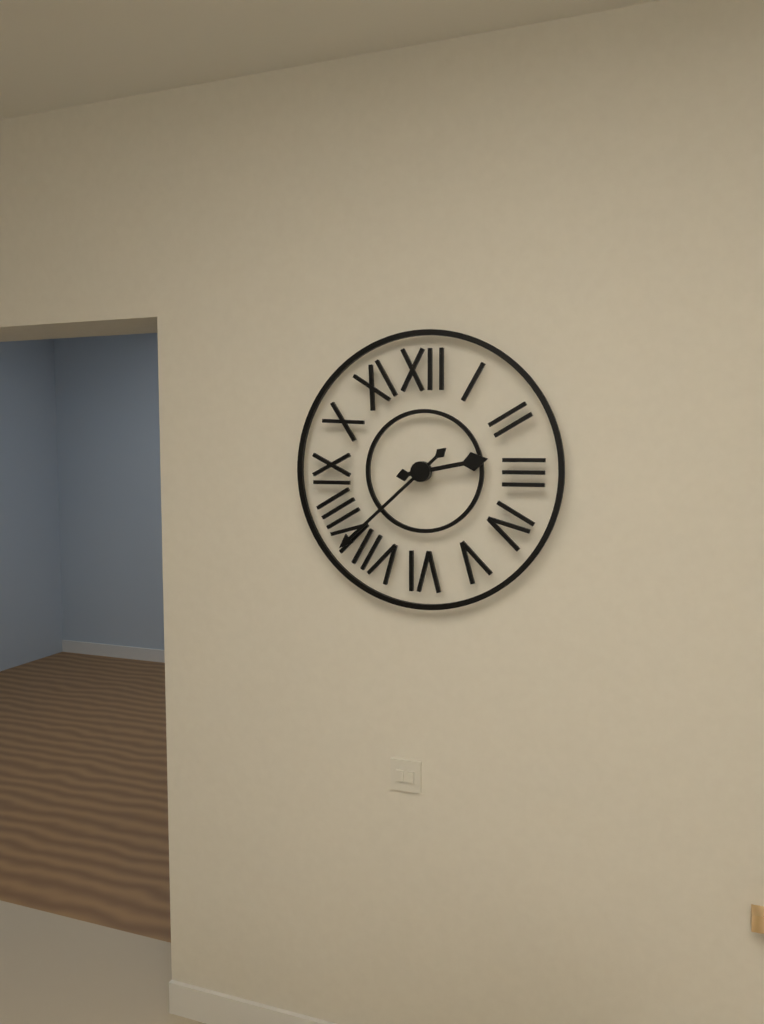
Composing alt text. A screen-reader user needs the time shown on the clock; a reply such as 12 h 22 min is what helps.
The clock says 2 h 38 min
